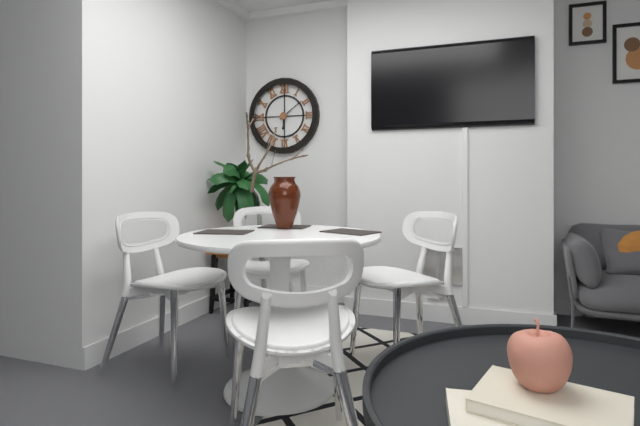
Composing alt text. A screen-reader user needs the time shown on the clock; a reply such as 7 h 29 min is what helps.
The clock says 6 h 09 min
